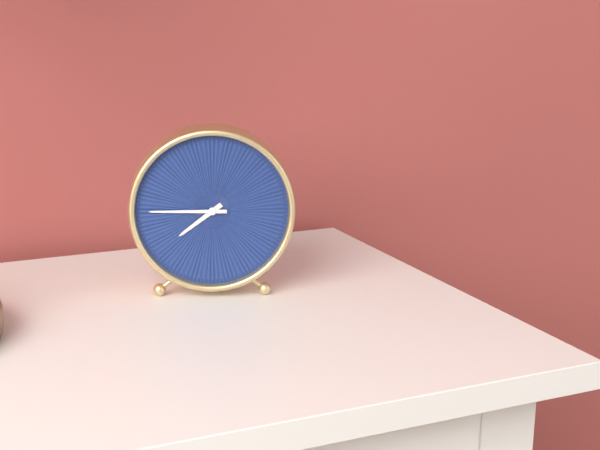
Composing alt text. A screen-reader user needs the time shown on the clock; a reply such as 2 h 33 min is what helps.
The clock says 7 h 45 min
